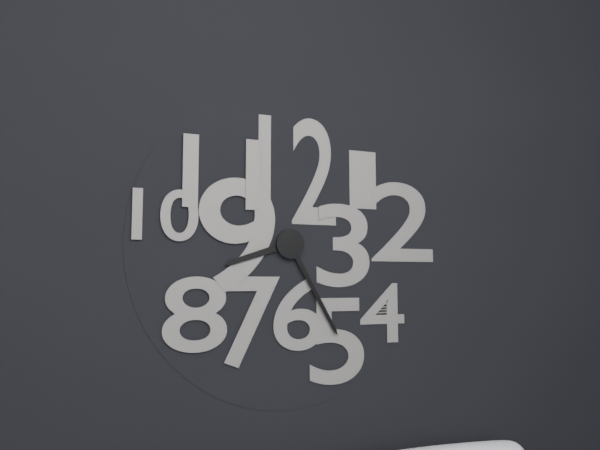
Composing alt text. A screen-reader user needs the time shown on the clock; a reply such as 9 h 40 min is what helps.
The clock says 8 h 25 min
